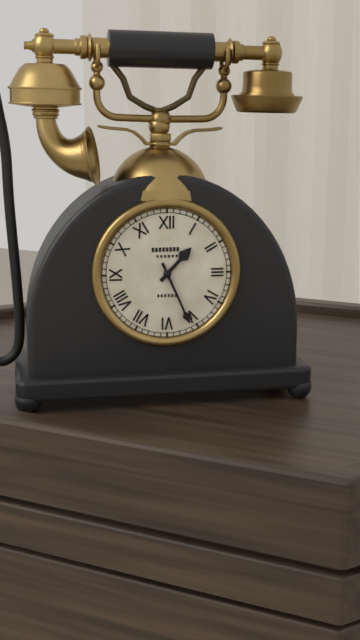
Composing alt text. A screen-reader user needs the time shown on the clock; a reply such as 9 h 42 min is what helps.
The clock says 1 h 26 min
